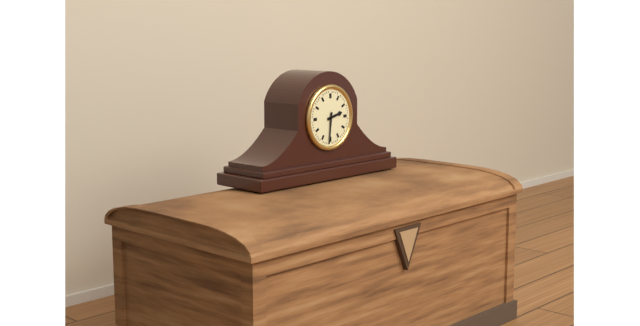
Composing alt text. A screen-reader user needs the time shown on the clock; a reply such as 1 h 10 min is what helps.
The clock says 2 h 31 min
